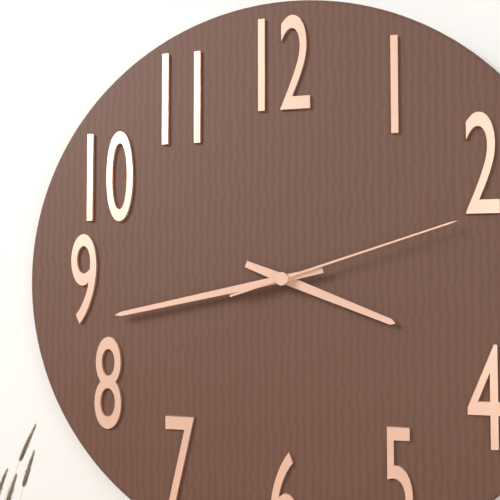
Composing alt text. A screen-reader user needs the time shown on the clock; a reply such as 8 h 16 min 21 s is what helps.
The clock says 3 h 43 min 12 s
